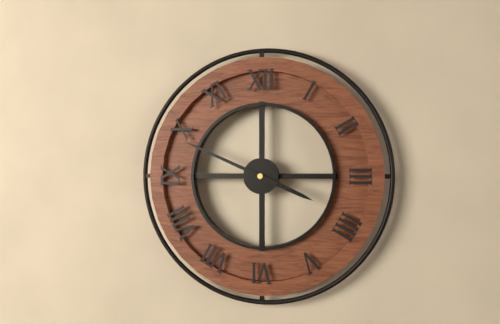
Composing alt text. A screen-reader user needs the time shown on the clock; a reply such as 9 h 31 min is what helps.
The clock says 3 h 49 min
